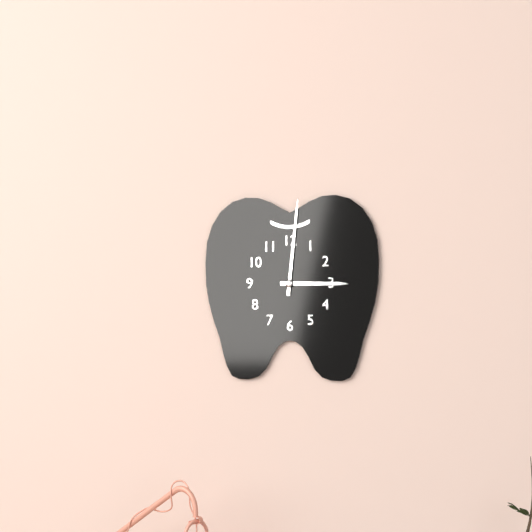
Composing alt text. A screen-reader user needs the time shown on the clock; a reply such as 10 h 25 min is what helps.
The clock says 3 h 01 min
